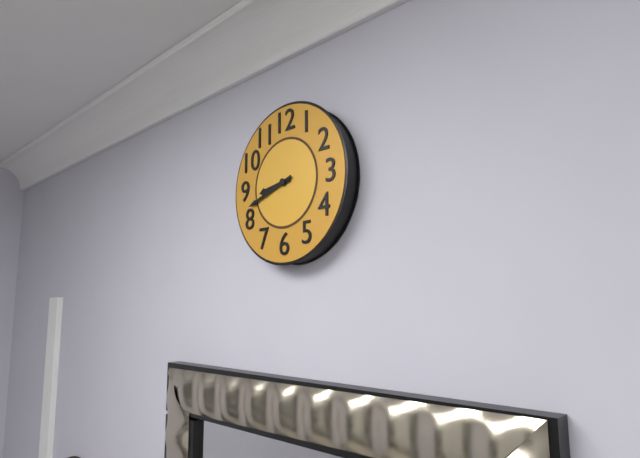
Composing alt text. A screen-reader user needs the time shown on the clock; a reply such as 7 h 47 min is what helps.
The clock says 8 h 42 min
